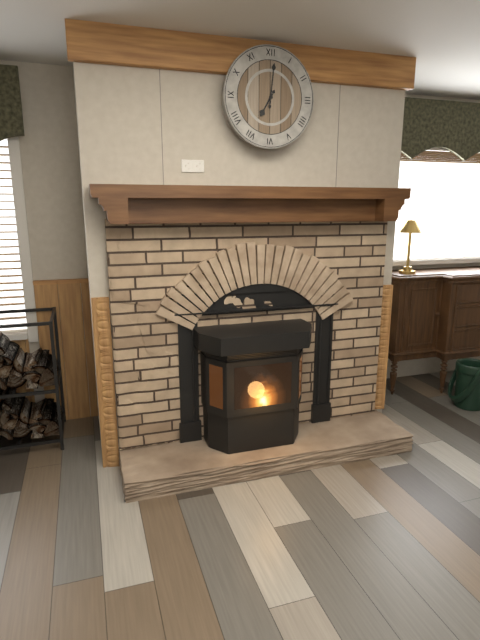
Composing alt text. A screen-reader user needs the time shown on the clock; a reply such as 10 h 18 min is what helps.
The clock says 7 h 01 min
